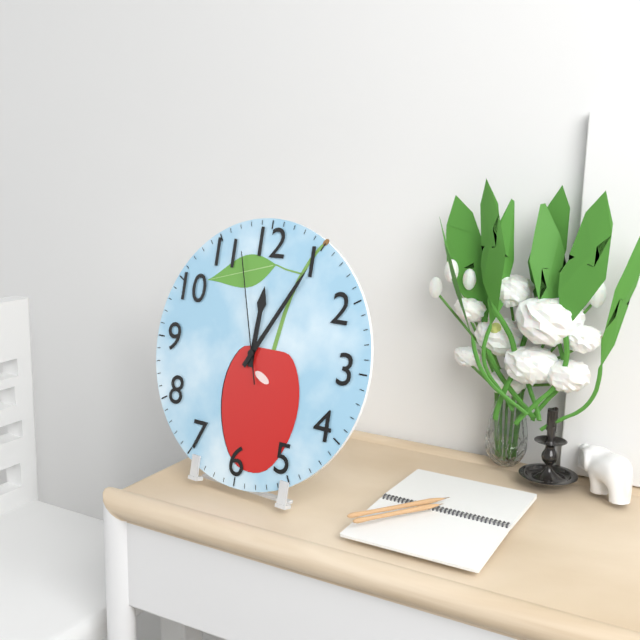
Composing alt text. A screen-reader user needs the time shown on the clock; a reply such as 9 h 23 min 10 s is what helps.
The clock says 12 h 05 min 57 s
